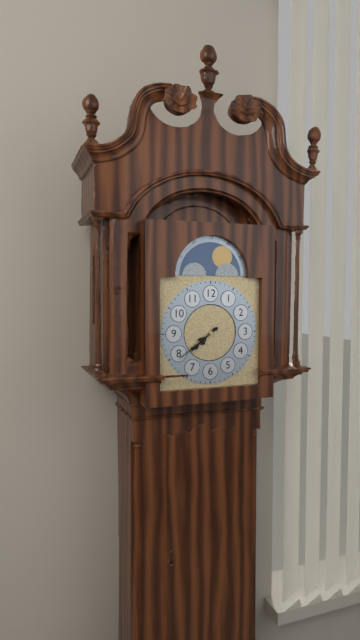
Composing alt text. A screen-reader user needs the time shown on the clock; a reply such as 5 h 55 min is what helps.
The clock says 7 h 39 min
